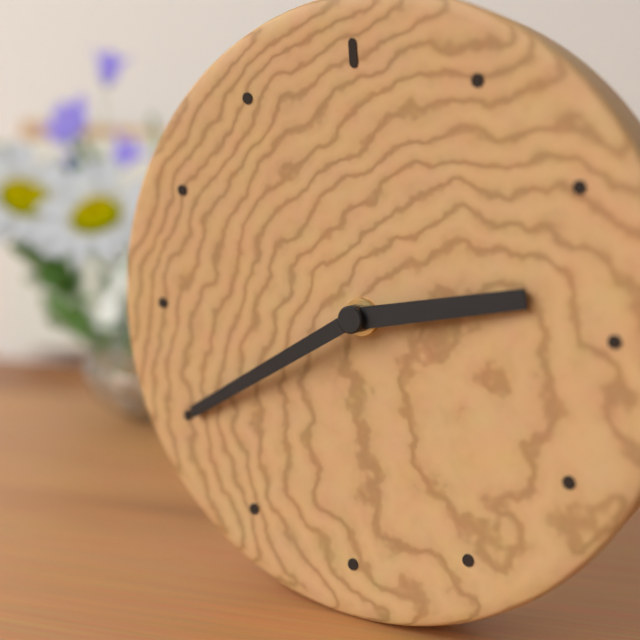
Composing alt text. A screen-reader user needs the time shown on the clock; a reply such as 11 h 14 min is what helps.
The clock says 2 h 40 min
